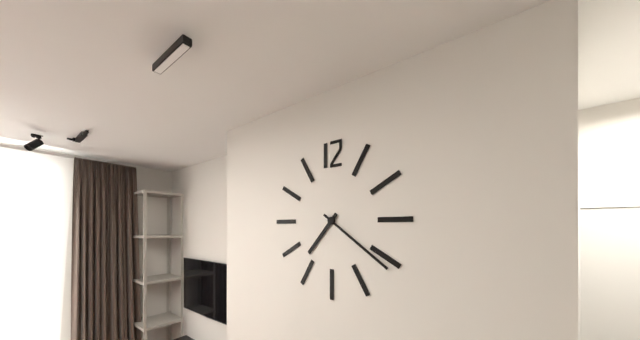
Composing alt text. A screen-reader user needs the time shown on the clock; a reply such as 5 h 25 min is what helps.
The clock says 7 h 21 min
